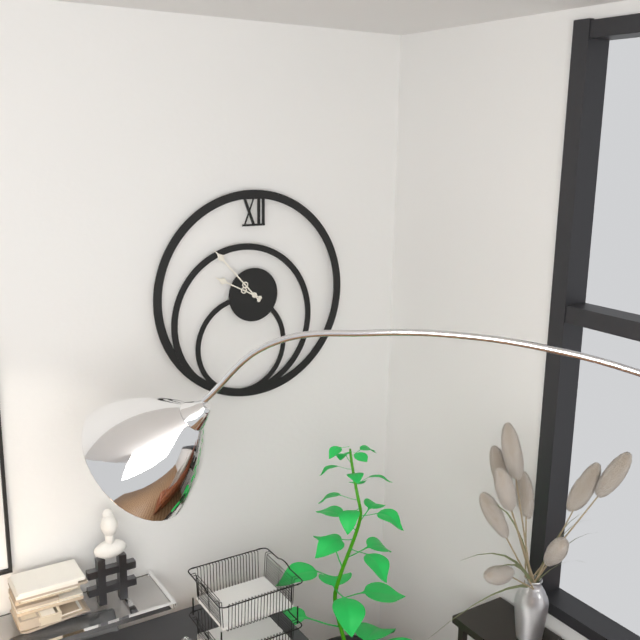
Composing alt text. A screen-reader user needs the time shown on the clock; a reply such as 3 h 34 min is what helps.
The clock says 9 h 53 min
